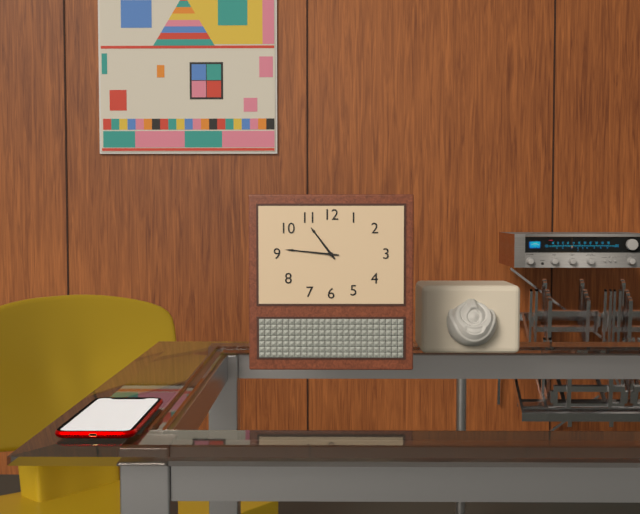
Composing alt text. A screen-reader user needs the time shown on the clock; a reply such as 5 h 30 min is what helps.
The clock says 10 h 46 min
